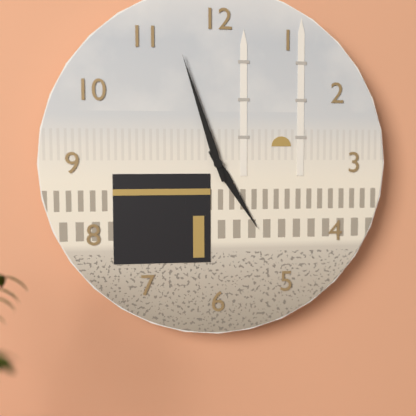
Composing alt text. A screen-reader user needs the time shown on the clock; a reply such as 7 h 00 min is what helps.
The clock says 4 h 57 min
